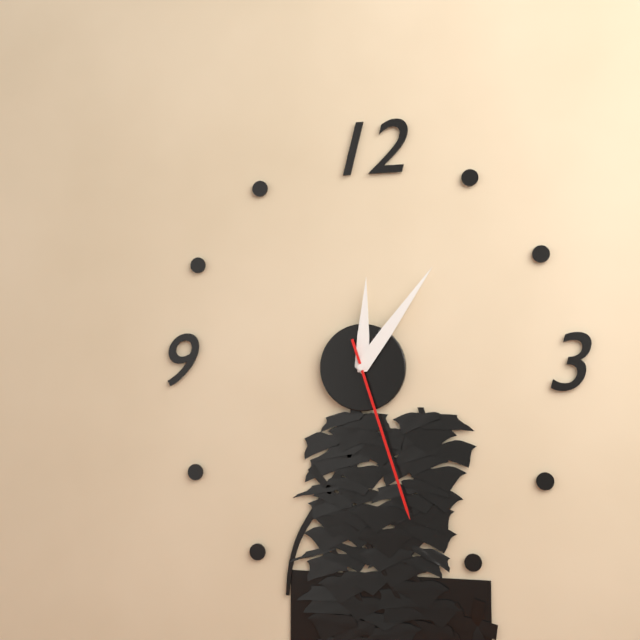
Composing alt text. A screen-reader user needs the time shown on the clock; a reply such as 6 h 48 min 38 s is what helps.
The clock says 12 h 06 min 27 s
